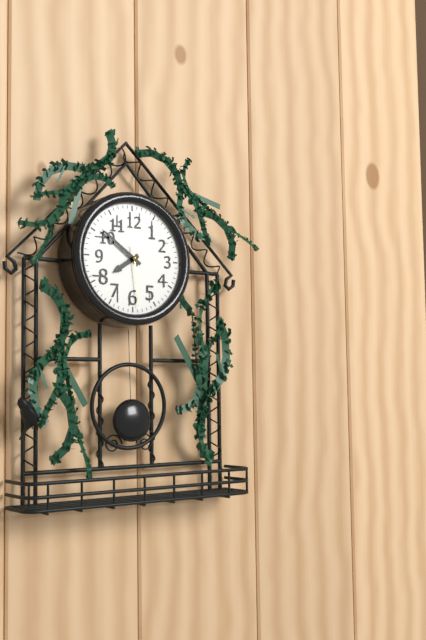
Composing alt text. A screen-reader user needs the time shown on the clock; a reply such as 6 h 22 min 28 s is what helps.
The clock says 7 h 51 min 29 s
